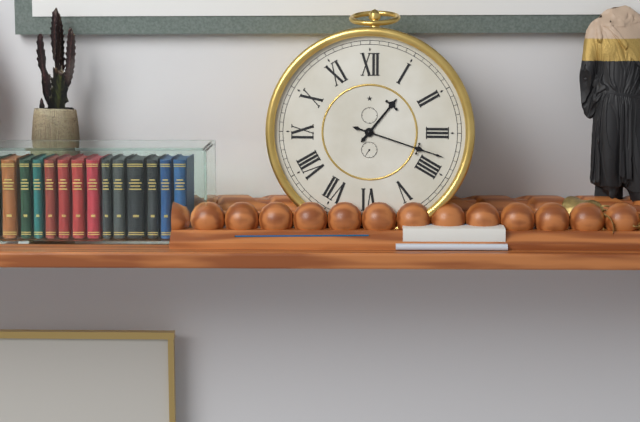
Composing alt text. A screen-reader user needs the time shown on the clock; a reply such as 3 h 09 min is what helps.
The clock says 1 h 18 min
